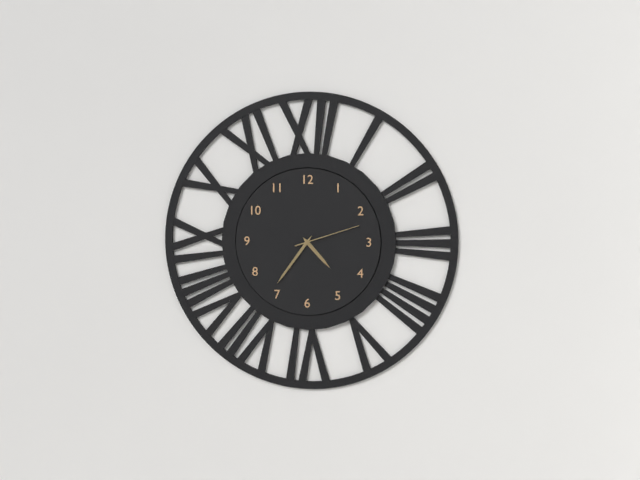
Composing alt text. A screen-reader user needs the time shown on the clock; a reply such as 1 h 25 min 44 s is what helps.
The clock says 4 h 36 min 12 s
